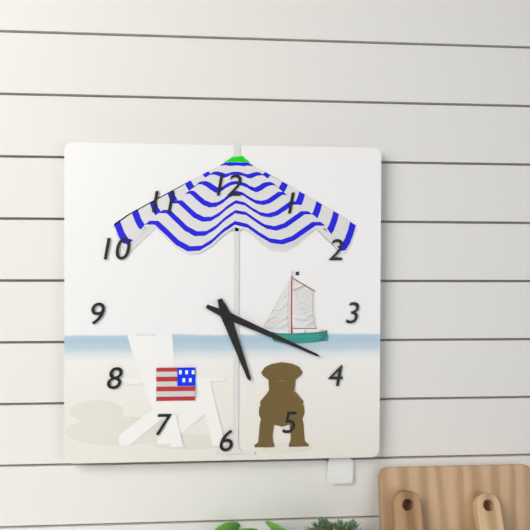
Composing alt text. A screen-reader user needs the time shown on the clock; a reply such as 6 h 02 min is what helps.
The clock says 5 h 19 min
